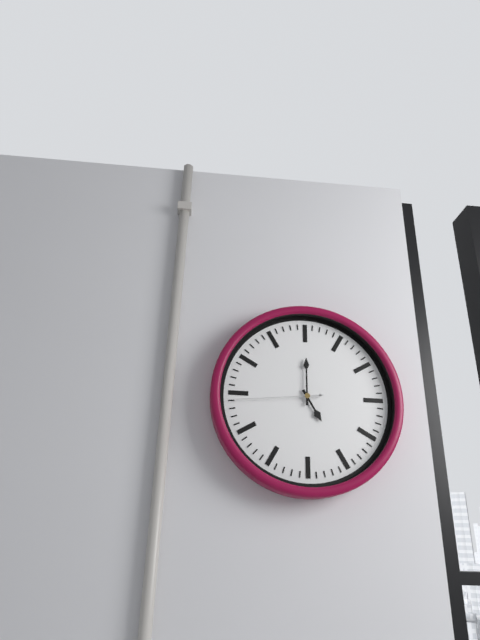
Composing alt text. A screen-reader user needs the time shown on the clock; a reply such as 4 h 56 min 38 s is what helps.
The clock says 5 h 00 min 44 s
